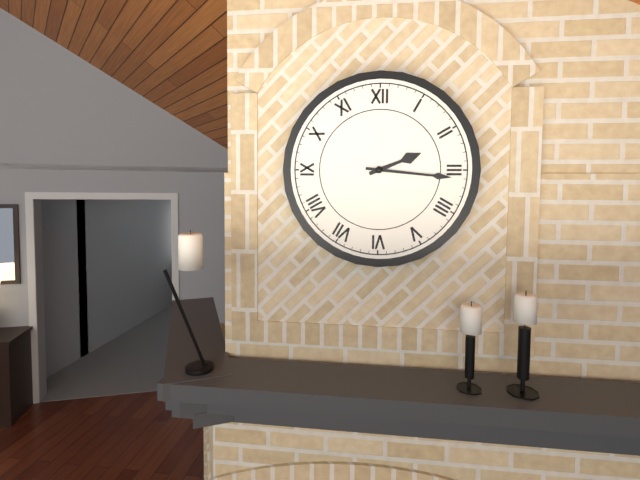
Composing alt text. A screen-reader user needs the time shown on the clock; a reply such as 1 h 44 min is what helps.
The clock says 2 h 16 min
